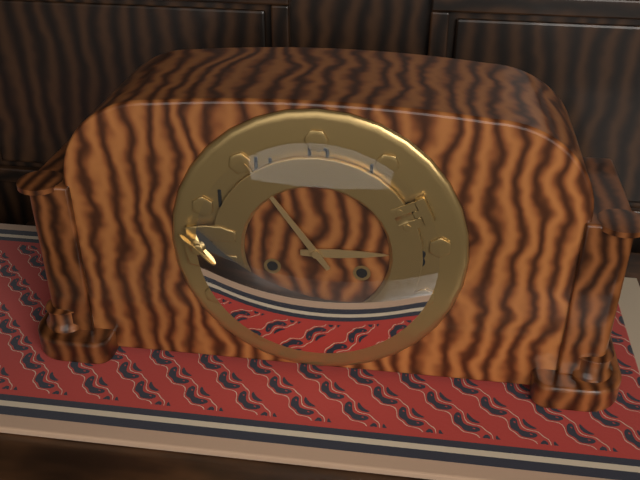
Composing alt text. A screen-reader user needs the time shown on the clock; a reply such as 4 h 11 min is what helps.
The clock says 2 h 54 min
